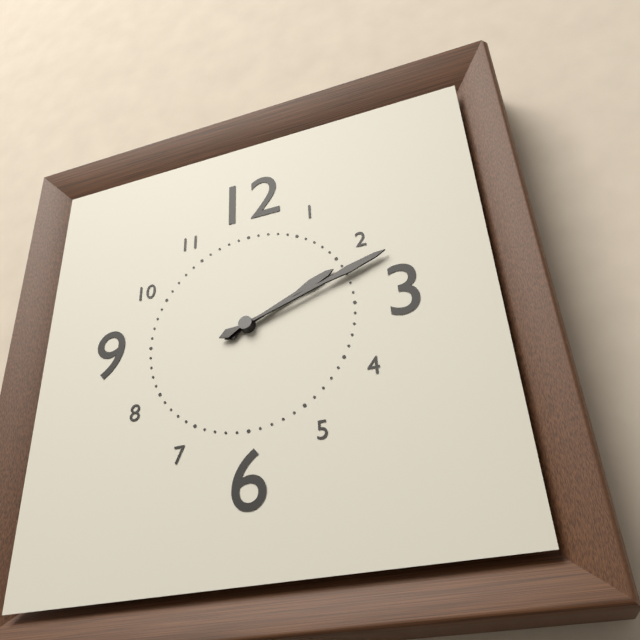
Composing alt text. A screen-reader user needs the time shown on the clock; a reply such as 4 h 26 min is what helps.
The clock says 2 h 12 min
